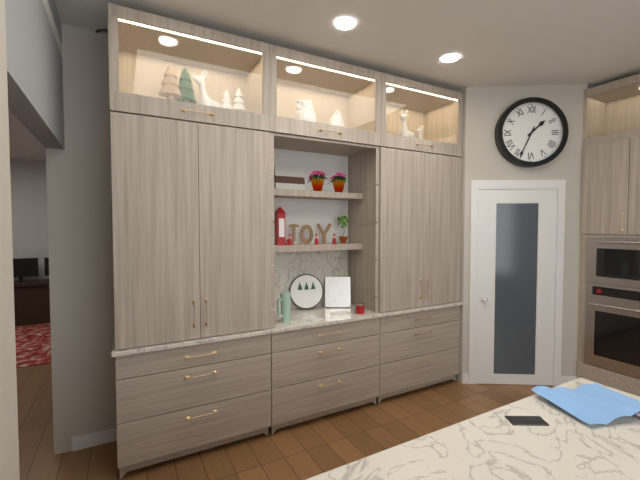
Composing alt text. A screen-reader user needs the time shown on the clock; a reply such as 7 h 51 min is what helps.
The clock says 1 h 34 min
